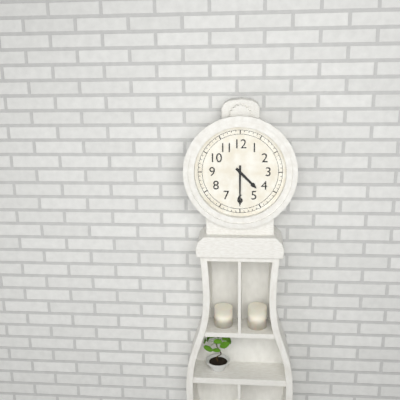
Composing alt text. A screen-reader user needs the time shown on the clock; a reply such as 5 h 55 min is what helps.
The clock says 4 h 30 min
